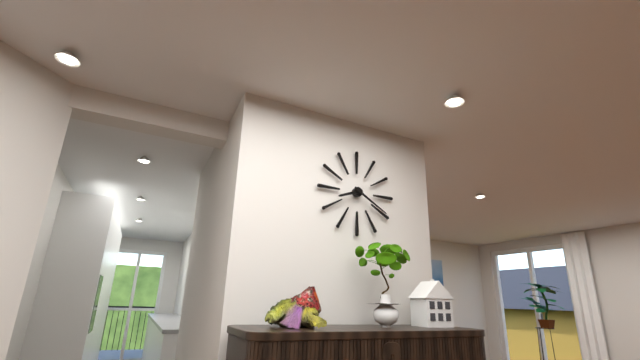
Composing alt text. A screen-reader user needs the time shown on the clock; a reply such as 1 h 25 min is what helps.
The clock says 8 h 20 min
